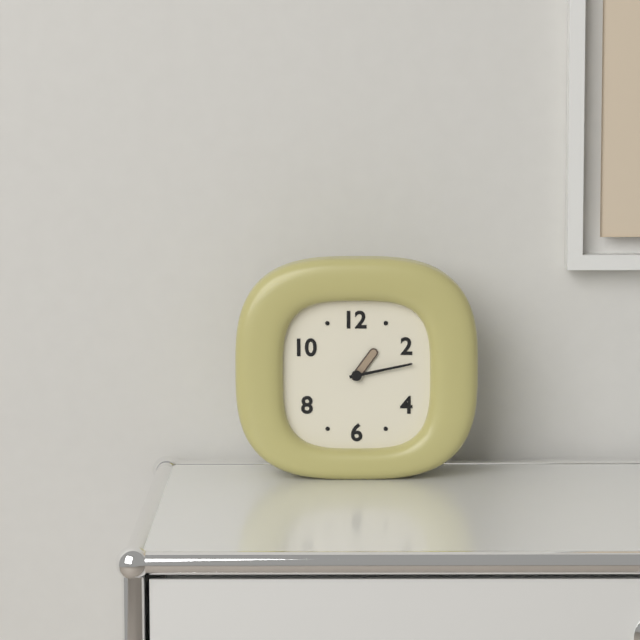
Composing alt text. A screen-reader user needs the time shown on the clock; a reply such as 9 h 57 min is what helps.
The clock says 1 h 13 min
